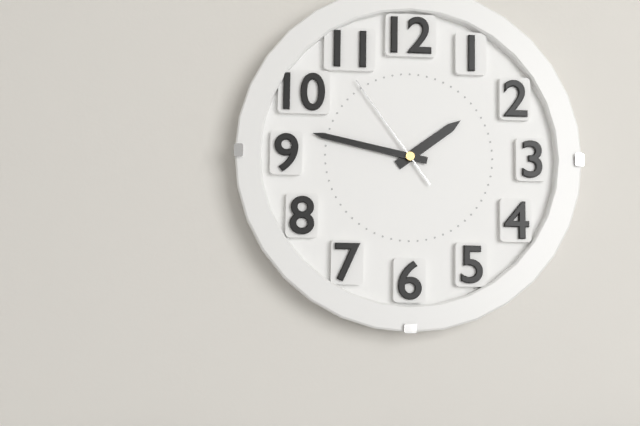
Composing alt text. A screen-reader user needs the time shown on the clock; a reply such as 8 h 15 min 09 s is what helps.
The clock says 1 h 47 min 54 s
